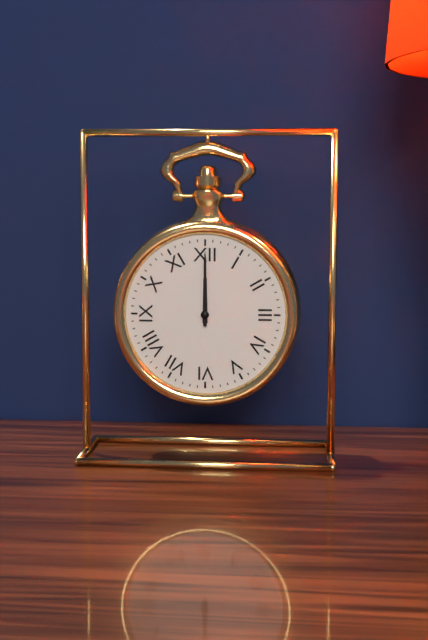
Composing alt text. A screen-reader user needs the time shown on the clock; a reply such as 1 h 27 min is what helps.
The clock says 12 h 00 min
